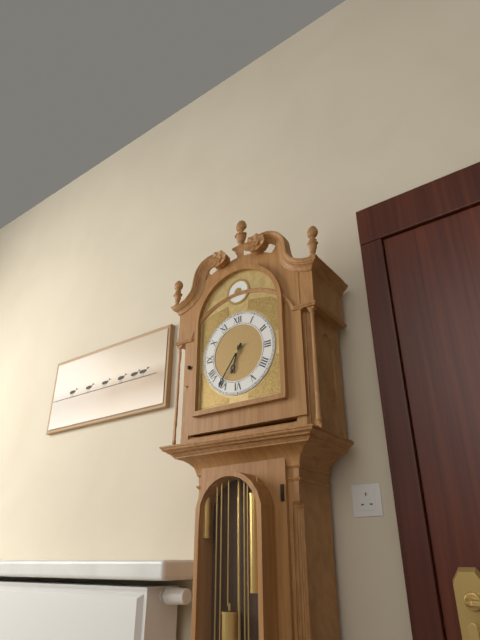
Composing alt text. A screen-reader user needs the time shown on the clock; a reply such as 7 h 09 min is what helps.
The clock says 6 h 36 min
